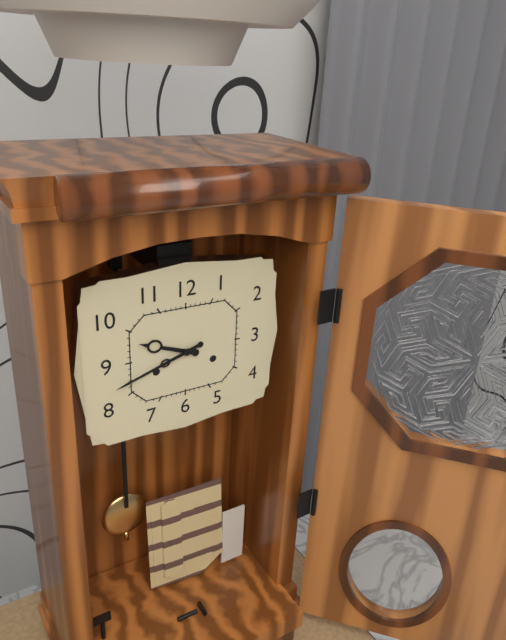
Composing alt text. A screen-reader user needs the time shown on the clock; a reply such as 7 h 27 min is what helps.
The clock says 9 h 42 min
